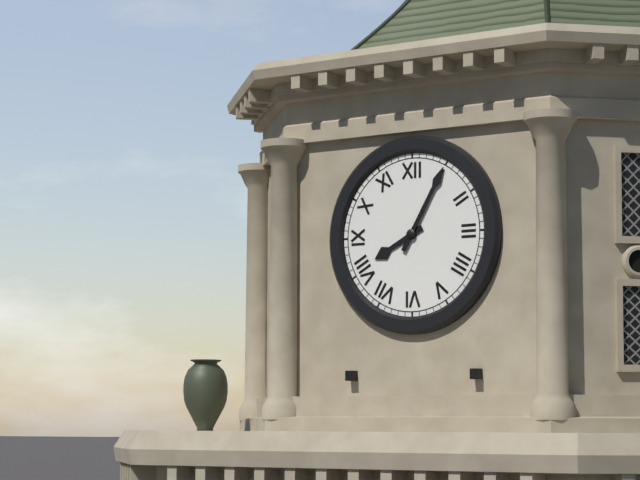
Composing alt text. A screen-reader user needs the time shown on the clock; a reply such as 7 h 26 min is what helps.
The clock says 8 h 05 min
